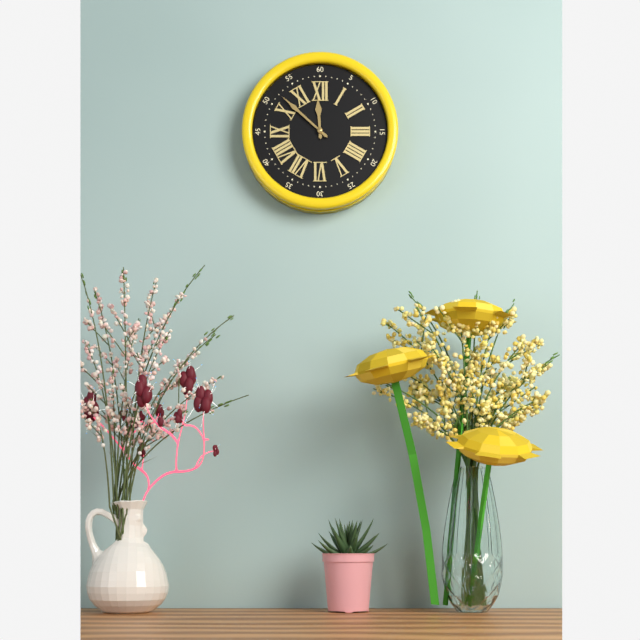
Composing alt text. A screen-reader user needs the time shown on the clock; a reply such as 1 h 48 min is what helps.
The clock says 11 h 52 min
